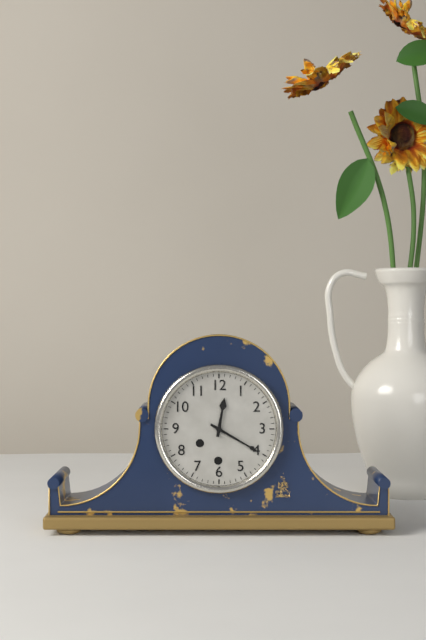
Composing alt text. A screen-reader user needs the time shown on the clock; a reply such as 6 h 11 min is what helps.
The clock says 12 h 20 min
